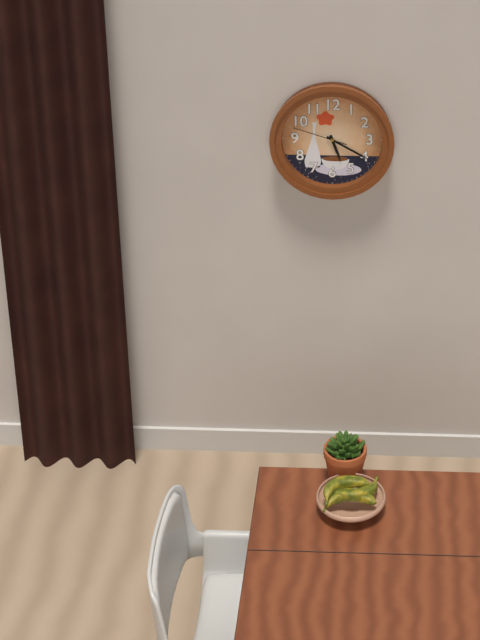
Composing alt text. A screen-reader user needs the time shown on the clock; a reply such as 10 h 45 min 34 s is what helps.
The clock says 5 h 20 min 48 s
